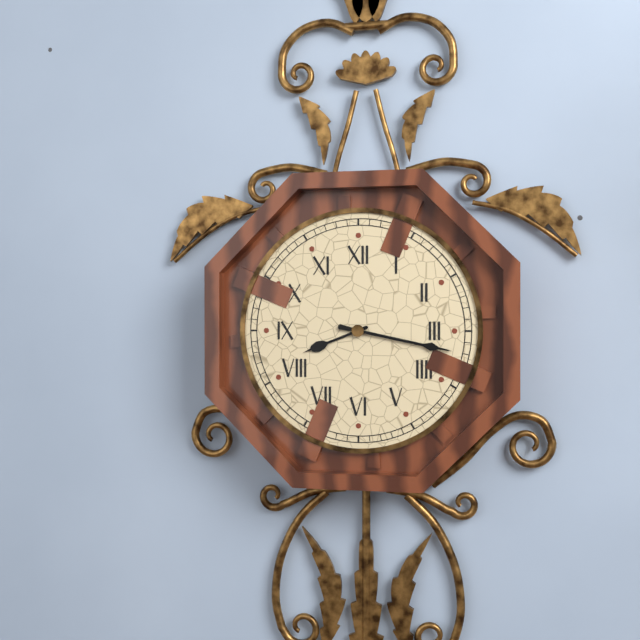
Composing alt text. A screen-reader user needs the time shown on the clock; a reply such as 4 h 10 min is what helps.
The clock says 8 h 17 min
